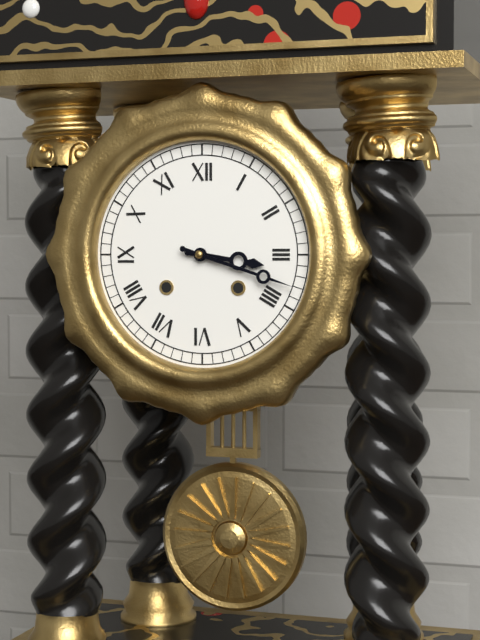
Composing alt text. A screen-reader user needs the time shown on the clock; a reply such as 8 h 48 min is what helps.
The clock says 3 h 18 min
